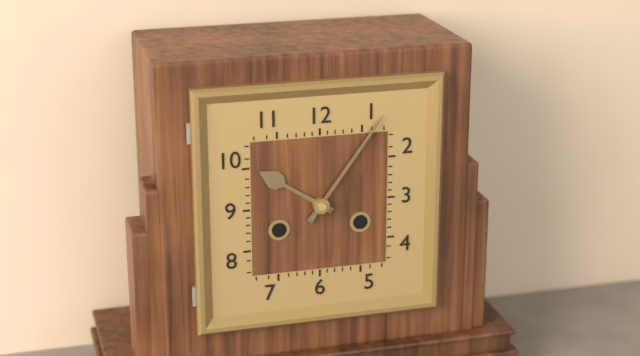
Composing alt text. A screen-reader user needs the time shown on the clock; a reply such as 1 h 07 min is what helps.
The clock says 10 h 06 min
